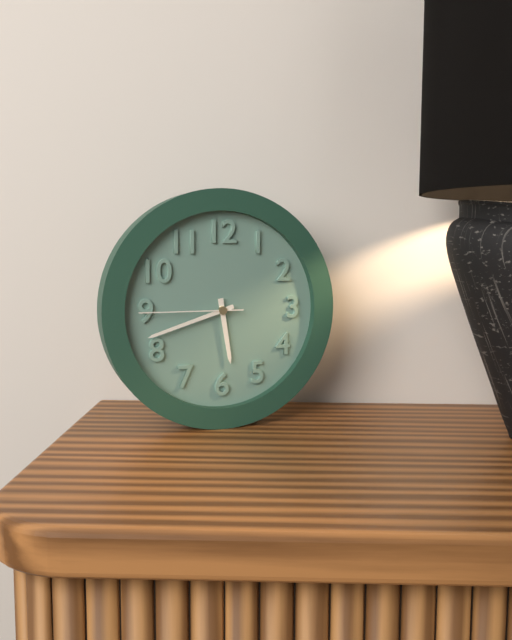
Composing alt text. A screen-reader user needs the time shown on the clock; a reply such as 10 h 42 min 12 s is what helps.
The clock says 5 h 42 min 45 s
